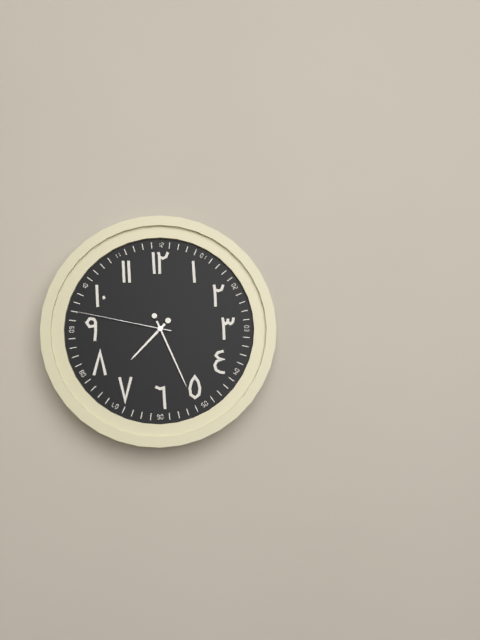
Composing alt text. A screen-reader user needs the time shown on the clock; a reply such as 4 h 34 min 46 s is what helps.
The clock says 7 h 26 min 47 s
